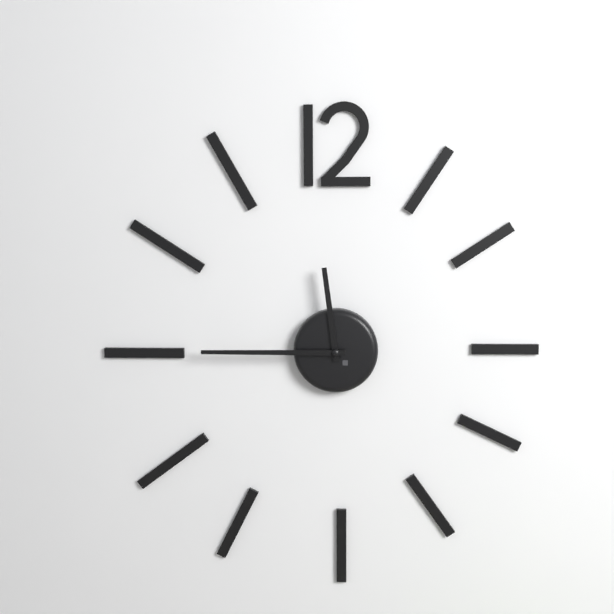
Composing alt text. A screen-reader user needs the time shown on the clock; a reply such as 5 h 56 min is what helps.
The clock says 11 h 45 min
